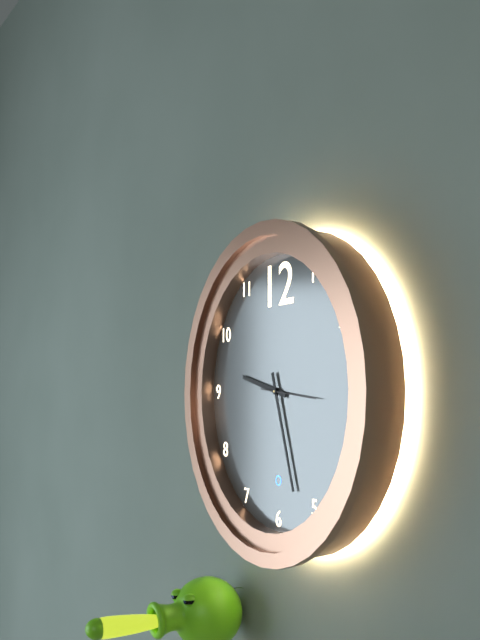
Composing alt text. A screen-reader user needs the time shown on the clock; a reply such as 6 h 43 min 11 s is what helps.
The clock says 9 h 27 min 16 s
